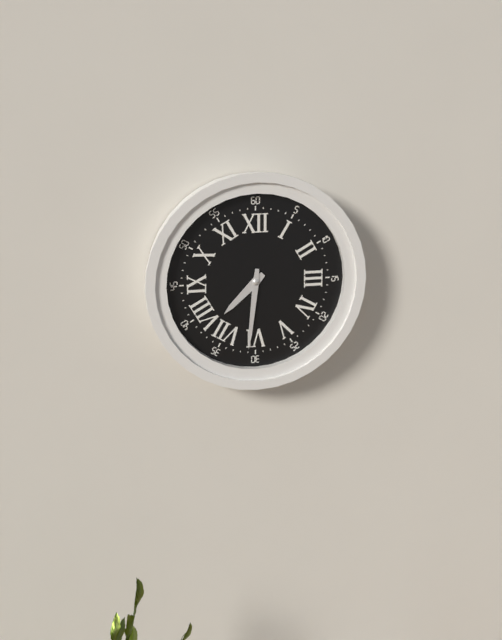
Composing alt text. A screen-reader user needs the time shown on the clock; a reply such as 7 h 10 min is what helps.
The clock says 7 h 31 min
